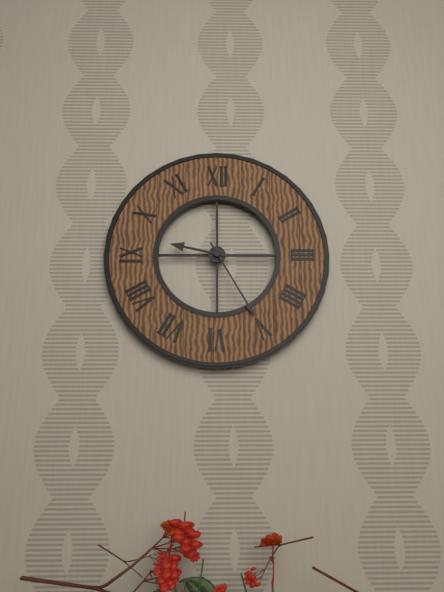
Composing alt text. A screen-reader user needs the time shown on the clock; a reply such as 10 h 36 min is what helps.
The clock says 9 h 25 min
